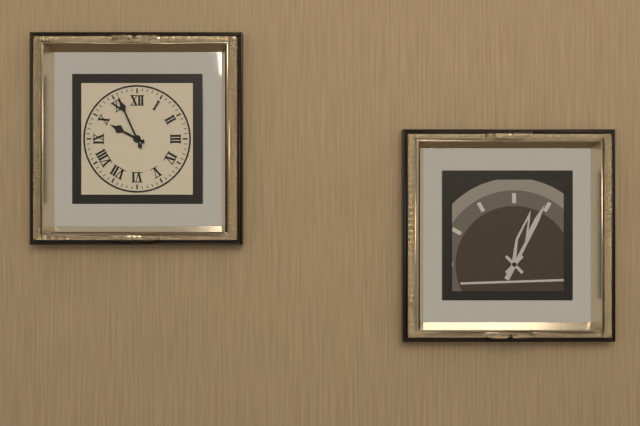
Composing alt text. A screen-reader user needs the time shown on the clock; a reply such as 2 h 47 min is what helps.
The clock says 9 h 56 min
